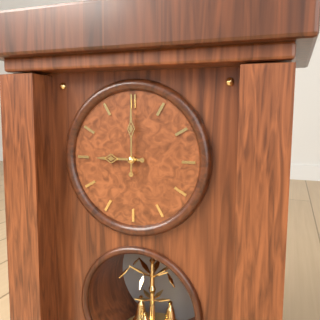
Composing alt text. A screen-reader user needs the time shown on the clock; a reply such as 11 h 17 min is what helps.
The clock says 9 h 00 min
